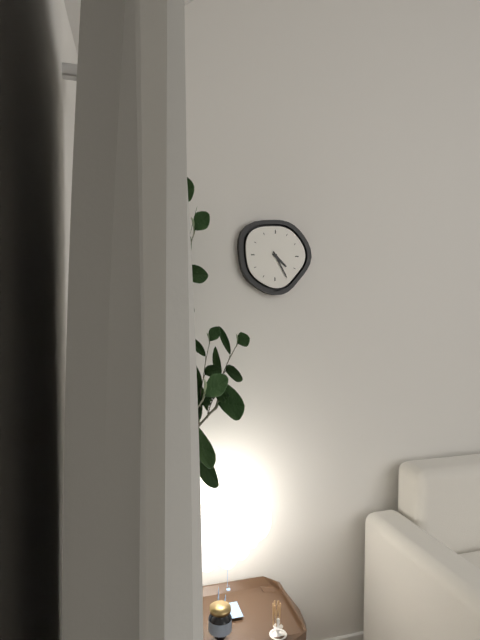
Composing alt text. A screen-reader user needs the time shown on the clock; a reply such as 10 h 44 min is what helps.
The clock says 4 h 25 min
